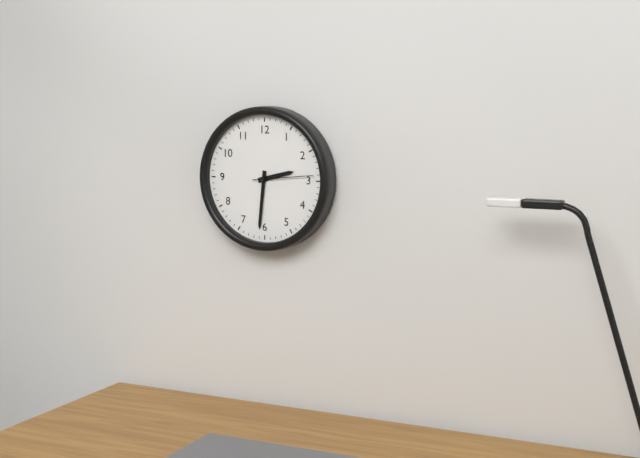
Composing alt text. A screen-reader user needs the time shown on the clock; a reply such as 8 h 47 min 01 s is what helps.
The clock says 2 h 31 min 14 s
